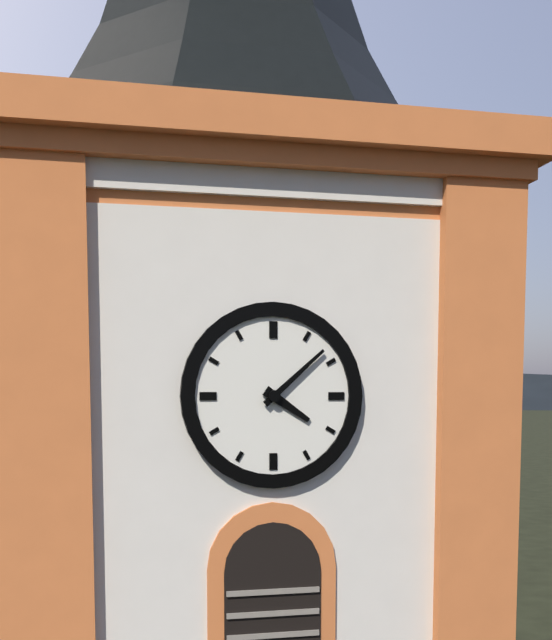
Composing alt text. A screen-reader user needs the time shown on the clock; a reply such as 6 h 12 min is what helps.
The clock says 4 h 08 min
